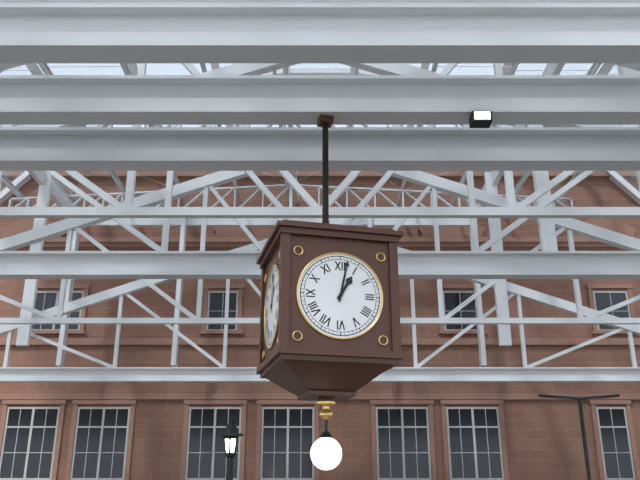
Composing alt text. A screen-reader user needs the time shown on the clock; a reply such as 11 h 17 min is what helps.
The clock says 1 h 02 min
